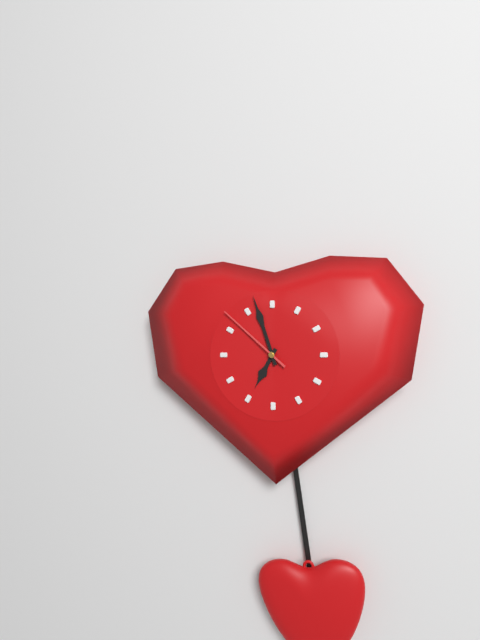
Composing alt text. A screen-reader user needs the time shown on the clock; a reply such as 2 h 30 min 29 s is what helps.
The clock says 6 h 57 min 52 s
